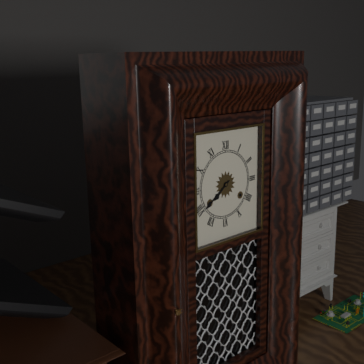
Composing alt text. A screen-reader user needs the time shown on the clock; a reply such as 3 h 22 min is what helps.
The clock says 7 h 39 min
